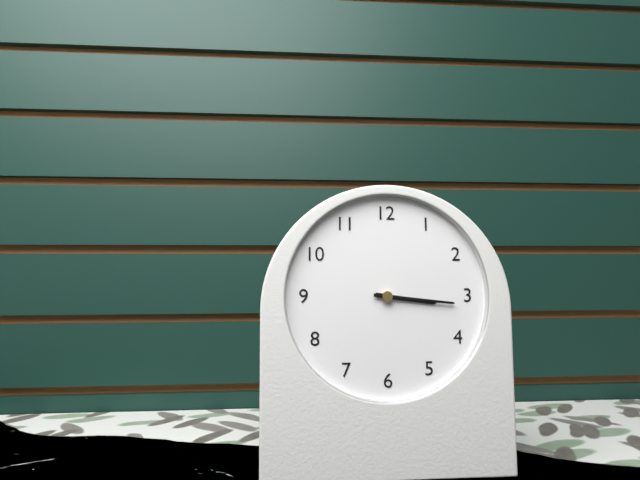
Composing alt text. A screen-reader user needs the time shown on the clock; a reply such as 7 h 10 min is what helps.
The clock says 3 h 16 min
